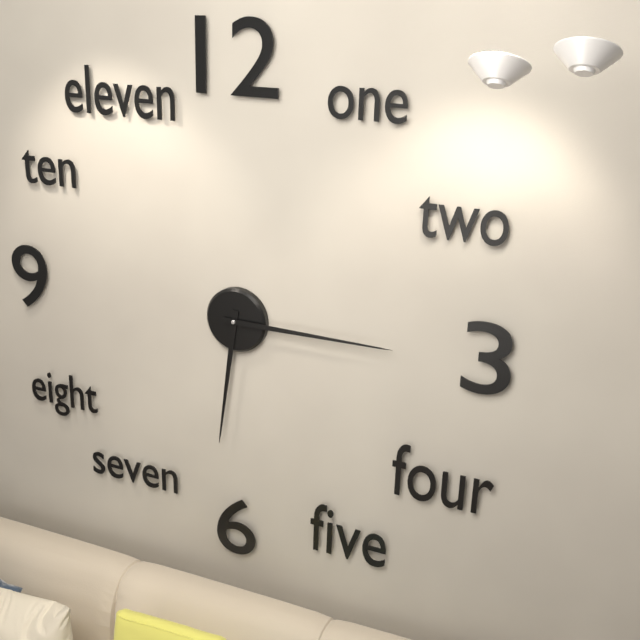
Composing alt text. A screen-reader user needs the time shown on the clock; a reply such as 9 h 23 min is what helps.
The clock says 6 h 15 min
